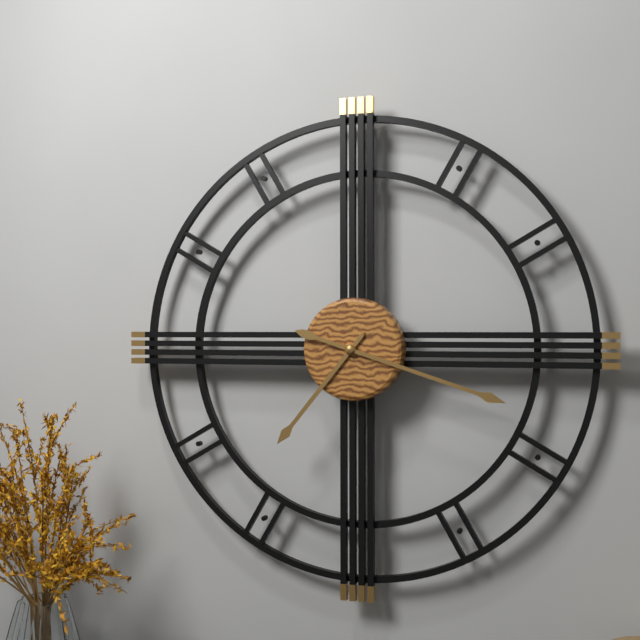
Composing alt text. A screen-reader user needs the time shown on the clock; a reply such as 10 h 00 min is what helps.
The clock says 7 h 18 min
